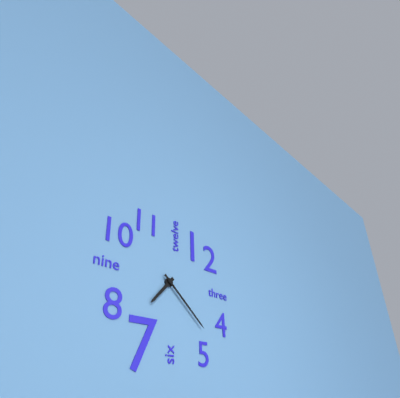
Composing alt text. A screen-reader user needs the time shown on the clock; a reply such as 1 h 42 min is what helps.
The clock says 7 h 22 min
